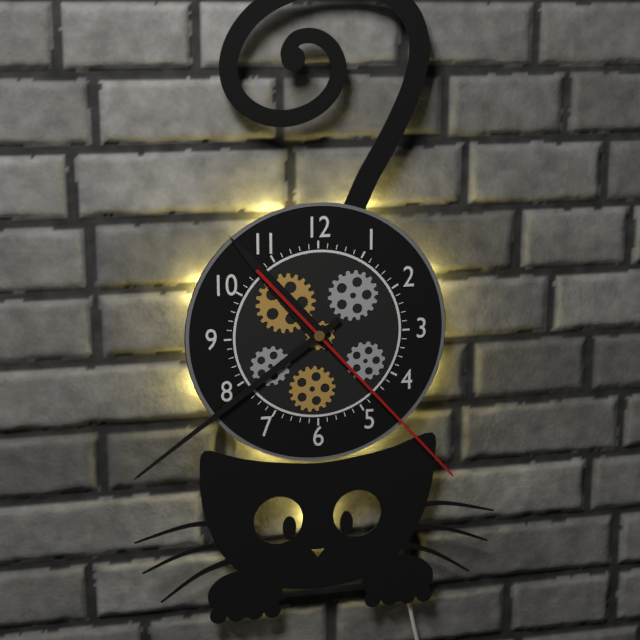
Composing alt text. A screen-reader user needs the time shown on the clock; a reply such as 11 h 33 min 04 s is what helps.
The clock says 10 h 39 min 23 s
